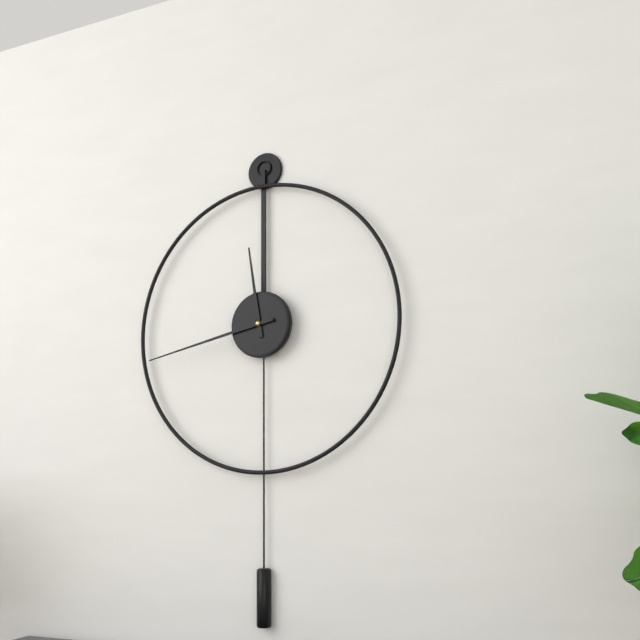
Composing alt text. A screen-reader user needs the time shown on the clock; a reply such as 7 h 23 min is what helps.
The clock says 11 h 43 min
